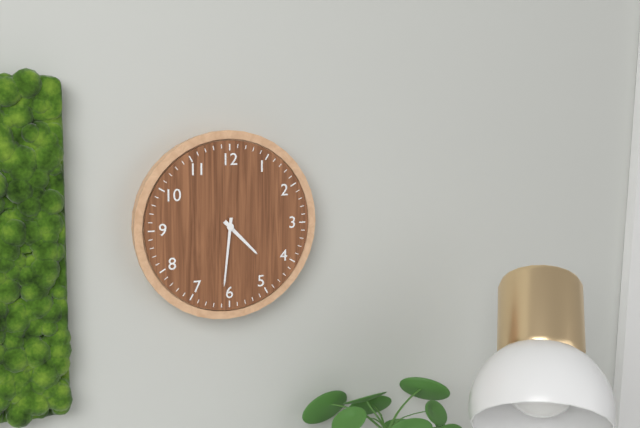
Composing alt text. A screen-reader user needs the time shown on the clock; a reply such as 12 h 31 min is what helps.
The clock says 4 h 31 min
